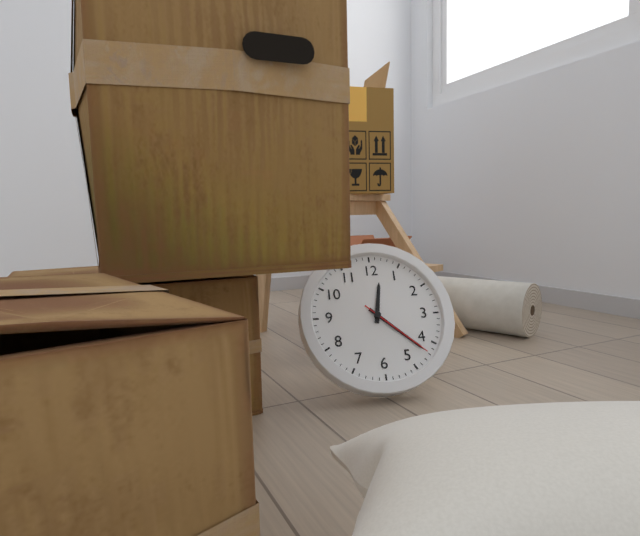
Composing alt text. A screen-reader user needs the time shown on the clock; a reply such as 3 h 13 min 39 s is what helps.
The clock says 12 h 22 min 22 s
